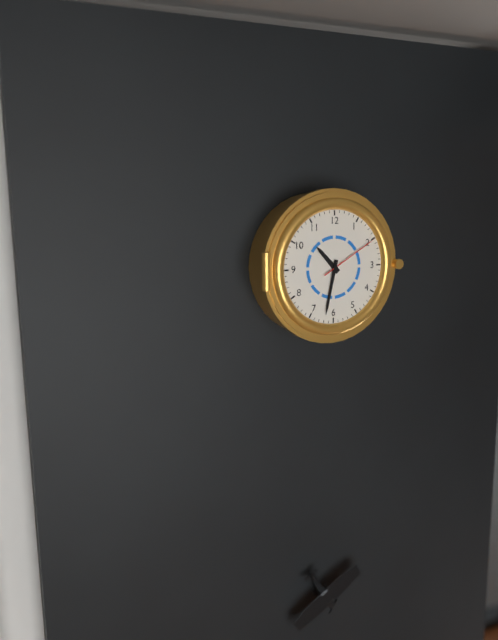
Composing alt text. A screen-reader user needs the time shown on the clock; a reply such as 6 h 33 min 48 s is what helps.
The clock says 10 h 32 min 10 s
